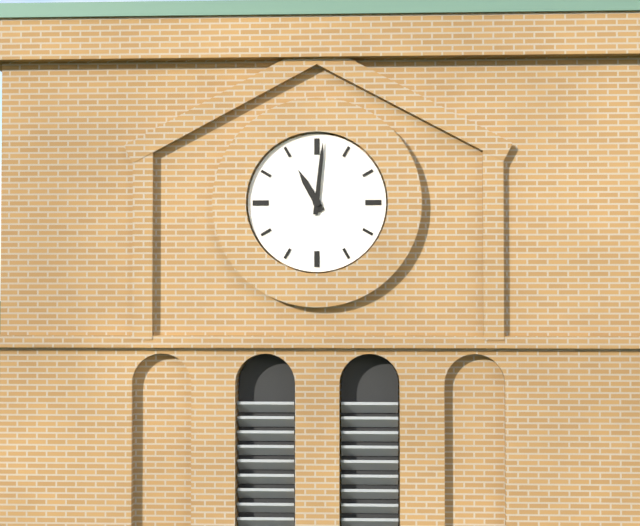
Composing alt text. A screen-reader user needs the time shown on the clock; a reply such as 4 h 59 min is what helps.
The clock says 11 h 01 min
